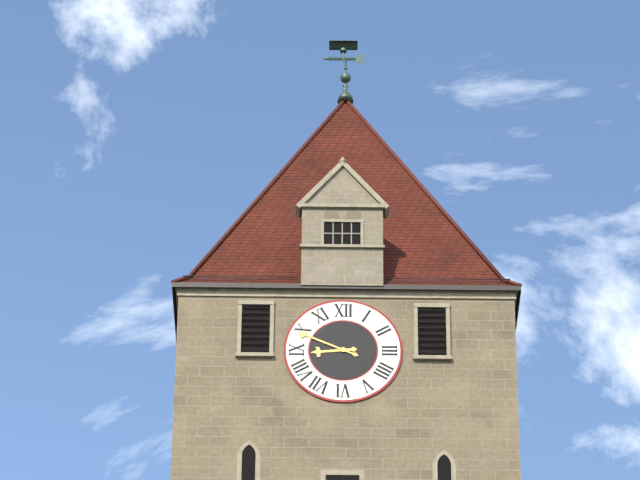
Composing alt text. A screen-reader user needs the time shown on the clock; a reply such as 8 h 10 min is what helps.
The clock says 8 h 49 min
